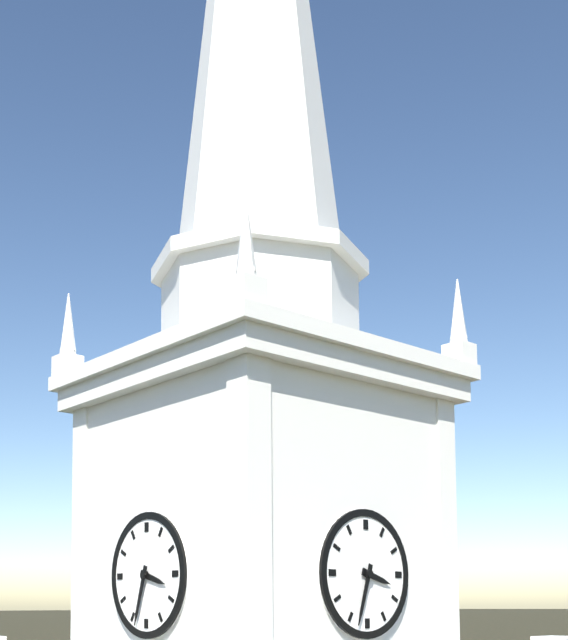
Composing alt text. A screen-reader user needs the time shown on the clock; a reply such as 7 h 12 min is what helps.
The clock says 3 h 33 min
